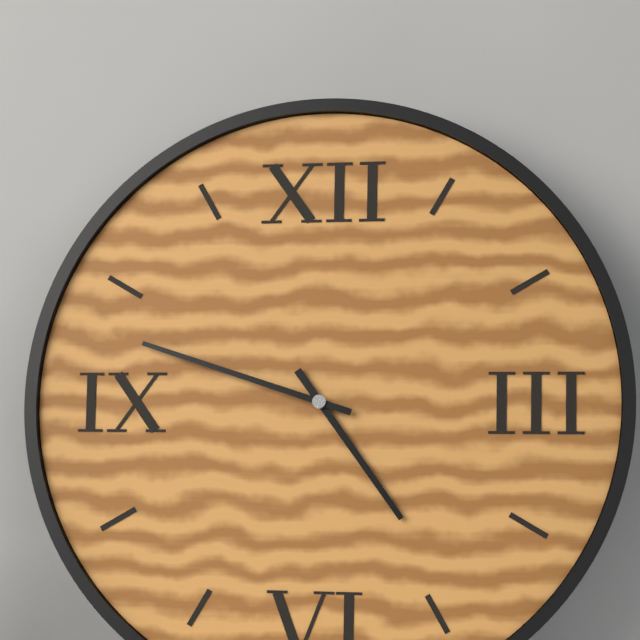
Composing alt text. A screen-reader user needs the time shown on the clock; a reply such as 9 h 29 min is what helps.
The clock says 4 h 48 min
